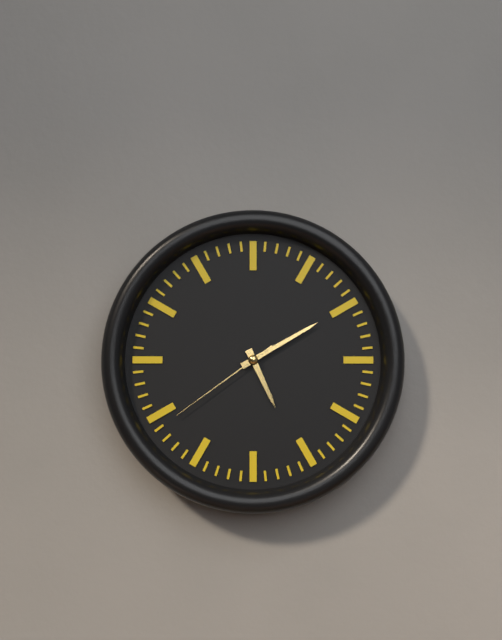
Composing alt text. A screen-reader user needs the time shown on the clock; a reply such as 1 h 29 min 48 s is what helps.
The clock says 5 h 10 min 39 s
